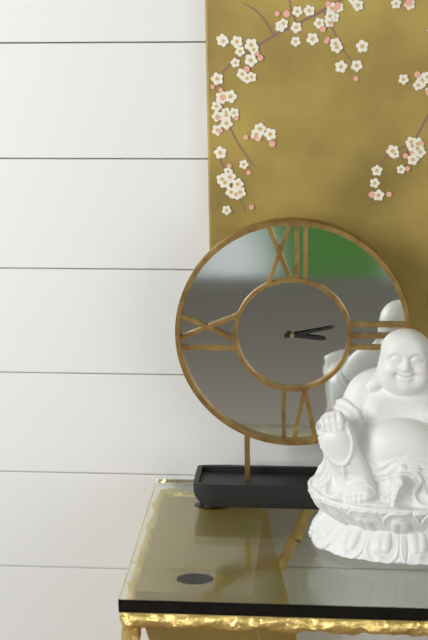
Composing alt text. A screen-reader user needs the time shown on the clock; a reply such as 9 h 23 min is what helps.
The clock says 3 h 13 min
